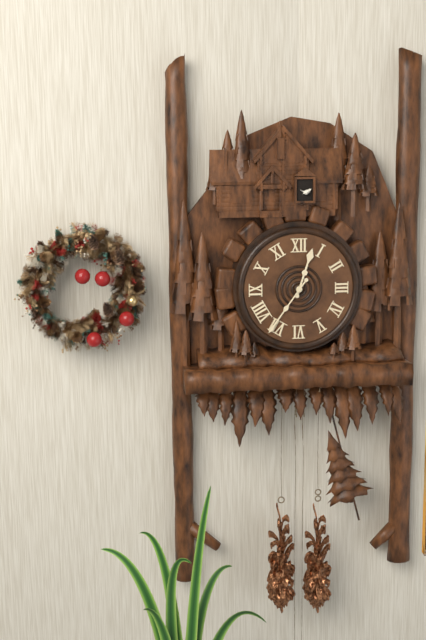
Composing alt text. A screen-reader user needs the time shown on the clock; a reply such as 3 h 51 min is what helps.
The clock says 12 h 36 min
